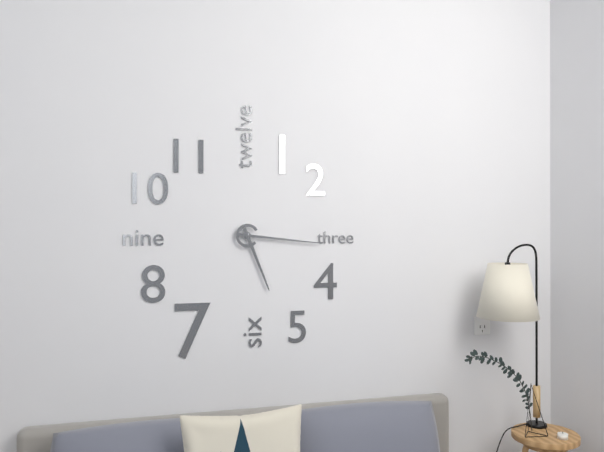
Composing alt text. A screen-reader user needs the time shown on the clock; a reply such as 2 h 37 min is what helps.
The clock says 5 h 16 min
